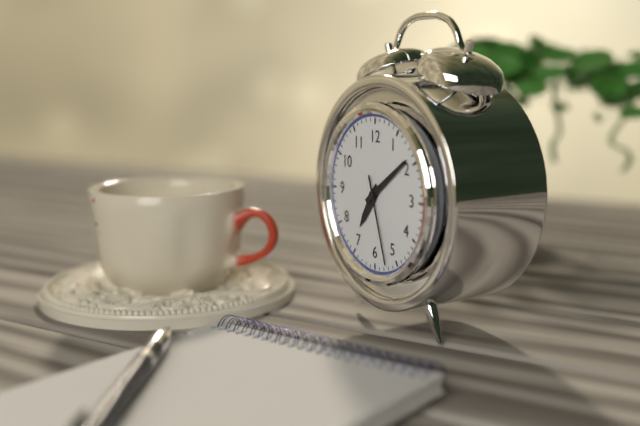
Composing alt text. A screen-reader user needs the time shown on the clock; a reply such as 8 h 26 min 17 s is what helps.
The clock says 7 h 09 min 27 s
